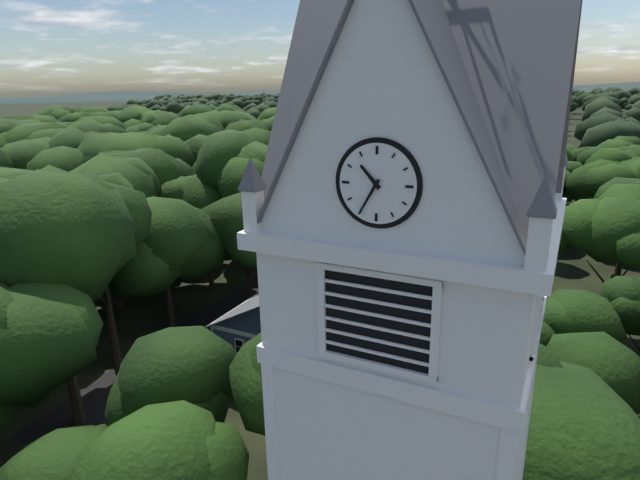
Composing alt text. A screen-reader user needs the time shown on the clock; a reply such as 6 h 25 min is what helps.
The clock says 10 h 35 min
